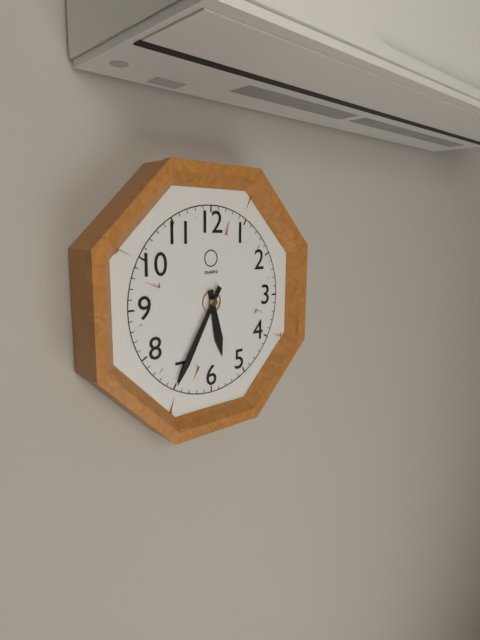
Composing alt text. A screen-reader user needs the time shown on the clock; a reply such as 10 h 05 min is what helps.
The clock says 5 h 35 min
